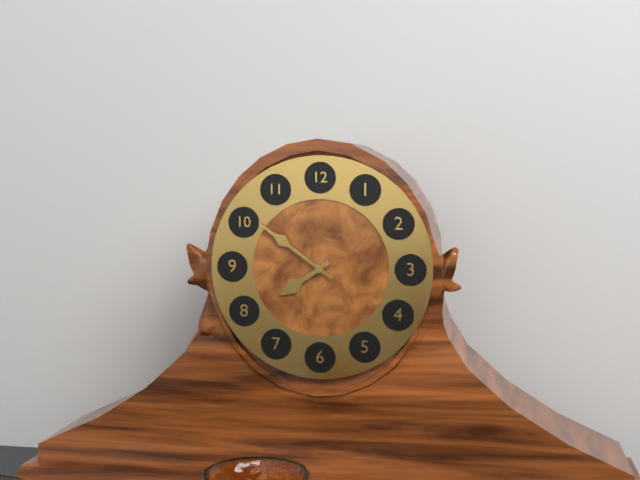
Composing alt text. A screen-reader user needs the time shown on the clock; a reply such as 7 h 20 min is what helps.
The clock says 7 h 51 min
